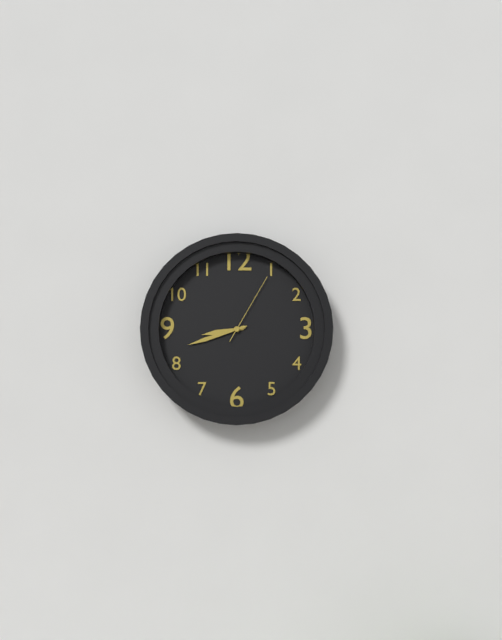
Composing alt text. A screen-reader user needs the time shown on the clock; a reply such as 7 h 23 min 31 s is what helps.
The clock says 8 h 42 min 05 s
